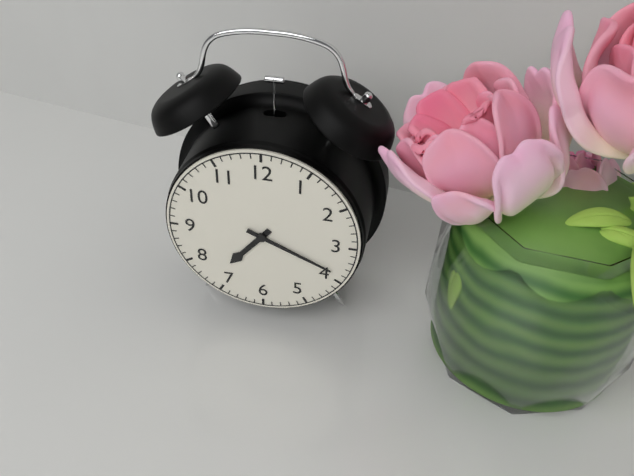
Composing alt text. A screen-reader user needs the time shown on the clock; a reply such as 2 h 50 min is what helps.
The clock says 7 h 19 min
